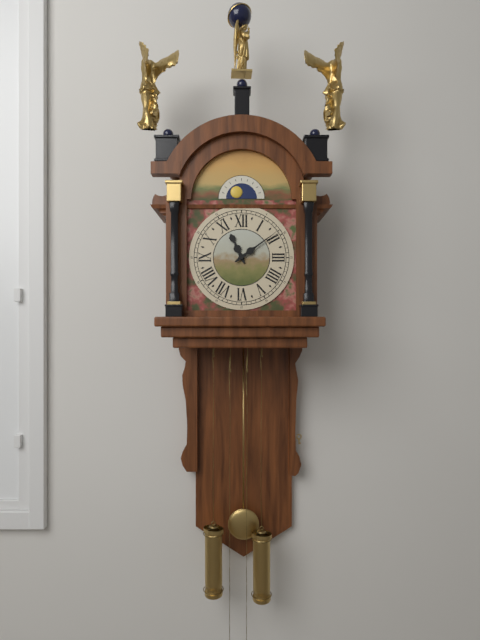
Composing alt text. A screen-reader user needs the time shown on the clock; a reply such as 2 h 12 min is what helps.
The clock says 11 h 09 min
